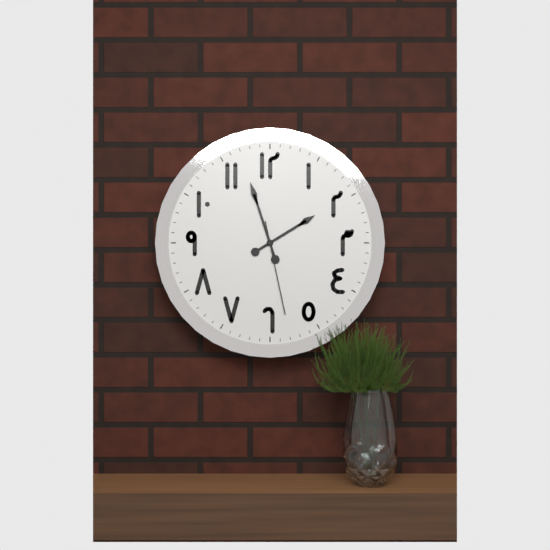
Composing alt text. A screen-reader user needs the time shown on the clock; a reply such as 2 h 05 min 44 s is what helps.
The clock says 1 h 57 min 28 s
